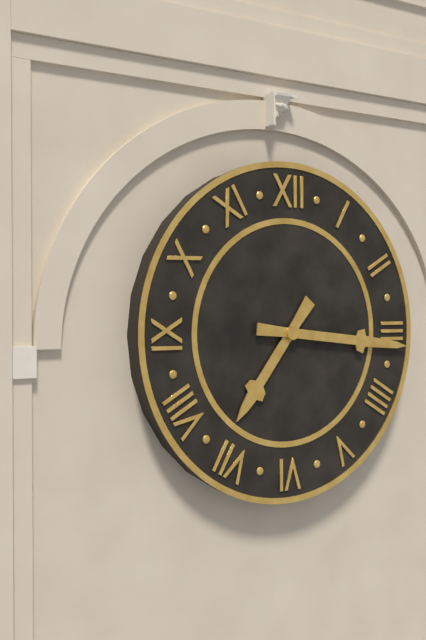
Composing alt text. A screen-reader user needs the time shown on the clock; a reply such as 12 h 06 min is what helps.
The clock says 7 h 16 min
